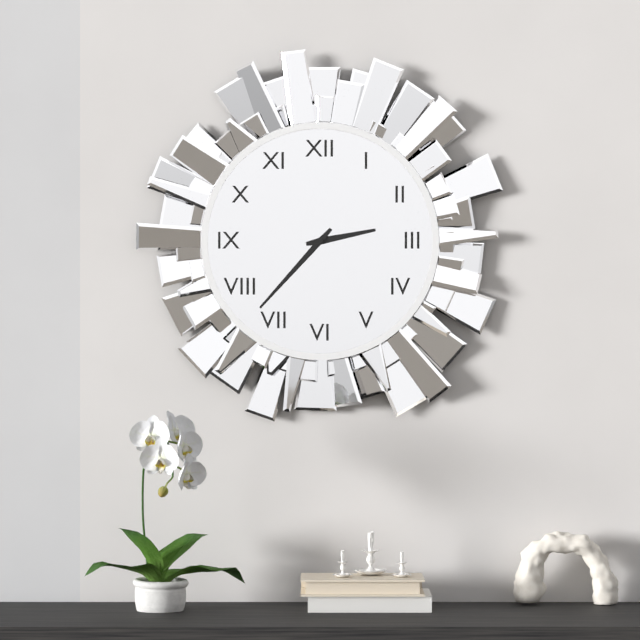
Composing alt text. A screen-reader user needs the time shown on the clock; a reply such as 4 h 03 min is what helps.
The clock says 2 h 37 min
